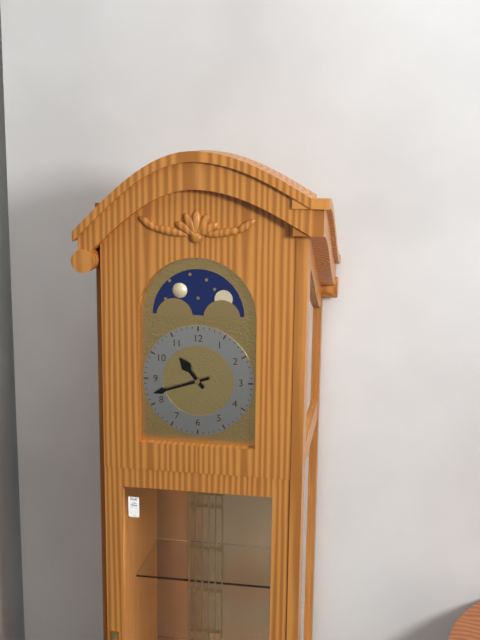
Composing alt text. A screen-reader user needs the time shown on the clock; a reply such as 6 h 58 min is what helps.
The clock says 10 h 42 min
